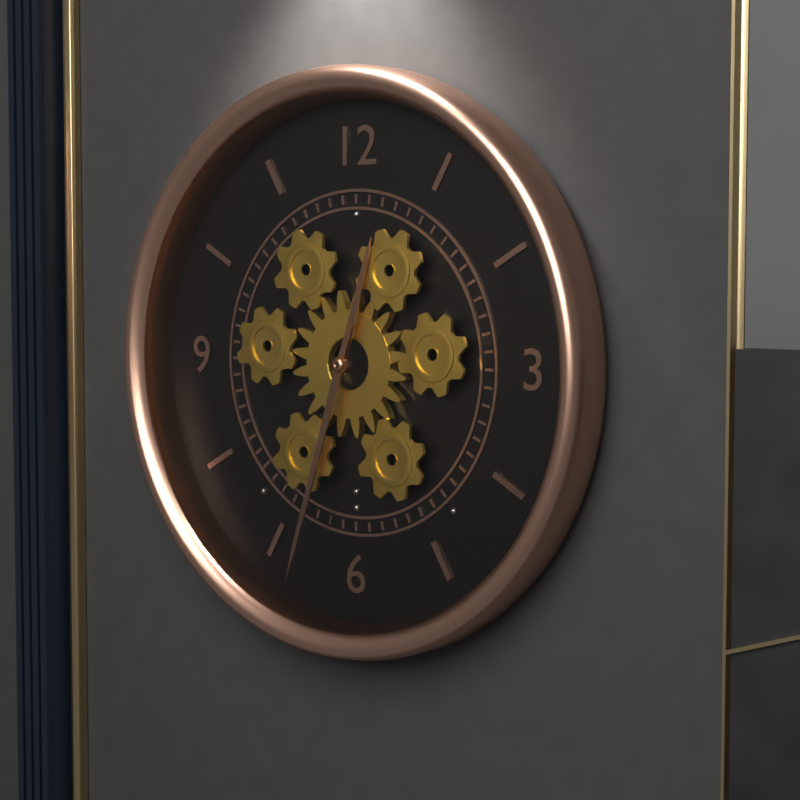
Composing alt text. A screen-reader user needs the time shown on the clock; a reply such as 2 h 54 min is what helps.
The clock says 12 h 33 min
